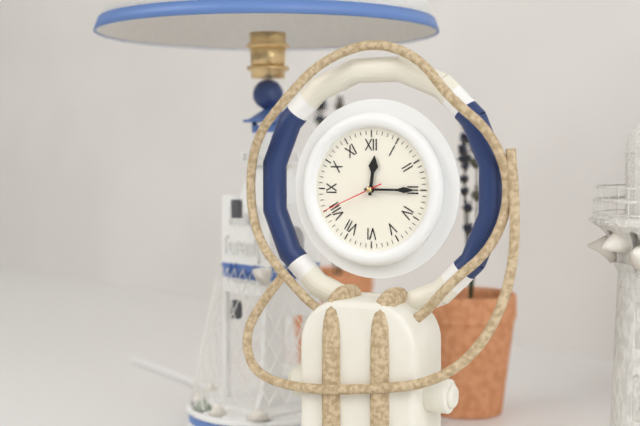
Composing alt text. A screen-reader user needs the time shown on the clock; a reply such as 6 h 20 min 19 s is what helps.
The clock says 12 h 15 min 41 s
